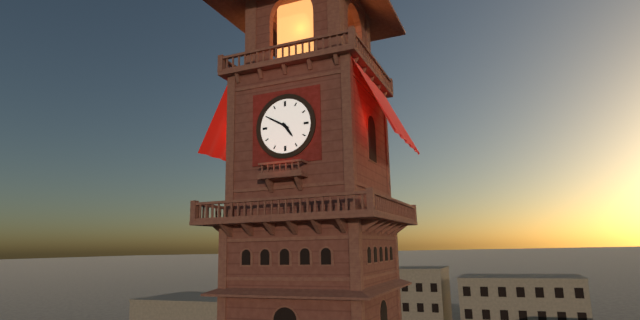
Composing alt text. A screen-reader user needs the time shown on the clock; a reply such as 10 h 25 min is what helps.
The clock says 4 h 50 min
